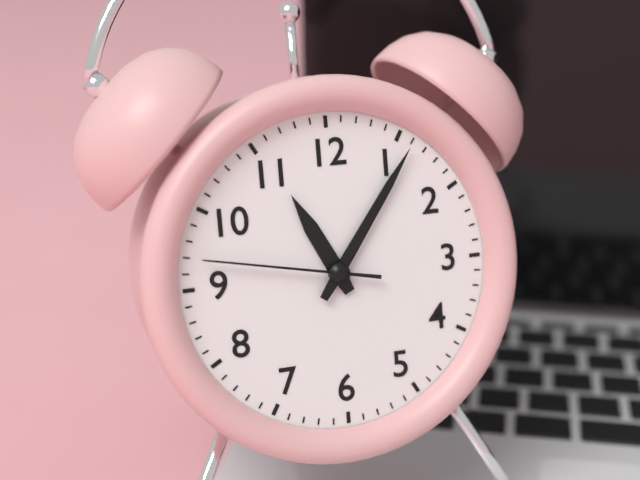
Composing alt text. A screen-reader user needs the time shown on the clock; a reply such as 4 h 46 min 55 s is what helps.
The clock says 11 h 06 min 47 s
